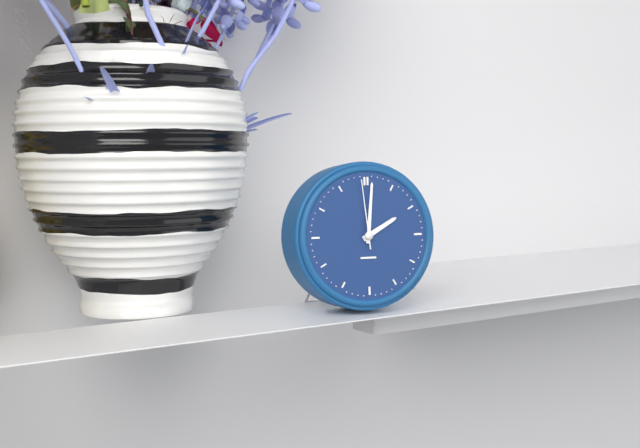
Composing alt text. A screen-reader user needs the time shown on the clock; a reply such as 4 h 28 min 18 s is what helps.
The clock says 2 h 01 min 59 s
